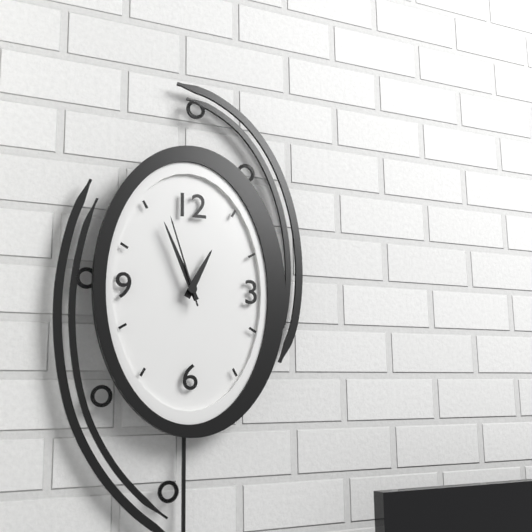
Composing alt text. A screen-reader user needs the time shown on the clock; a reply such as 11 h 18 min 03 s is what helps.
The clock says 12 h 56 min 57 s
